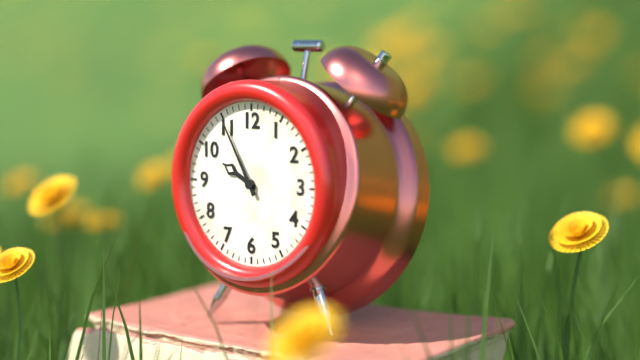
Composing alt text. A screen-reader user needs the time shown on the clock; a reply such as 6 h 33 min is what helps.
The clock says 9 h 55 min
